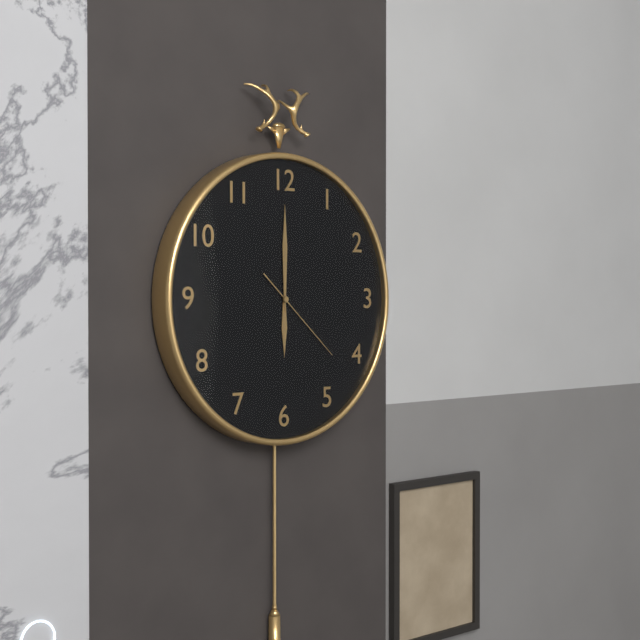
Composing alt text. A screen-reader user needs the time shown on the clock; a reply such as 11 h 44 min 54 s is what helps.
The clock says 6 h 00 min 22 s
